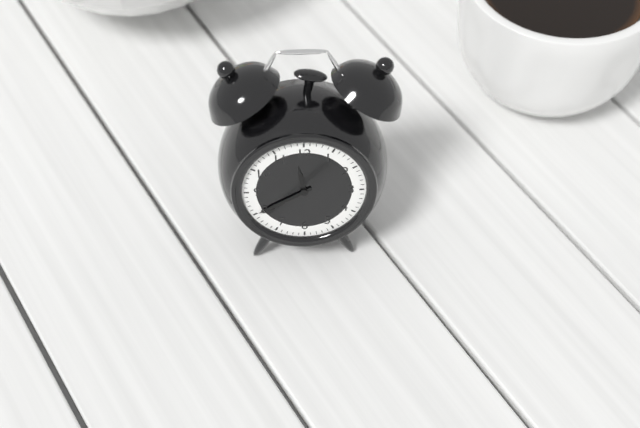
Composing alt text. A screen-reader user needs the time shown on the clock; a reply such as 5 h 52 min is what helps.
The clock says 11 h 40 min
